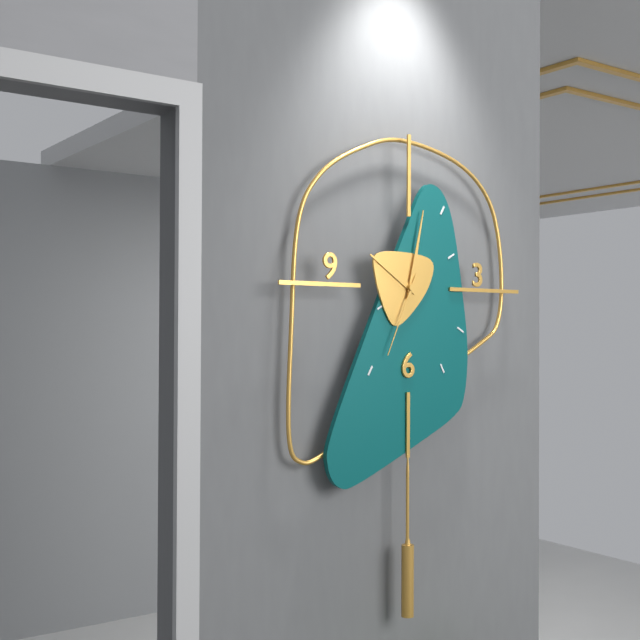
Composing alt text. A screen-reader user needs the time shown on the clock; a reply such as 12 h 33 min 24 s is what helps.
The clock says 10 h 02 min 34 s
